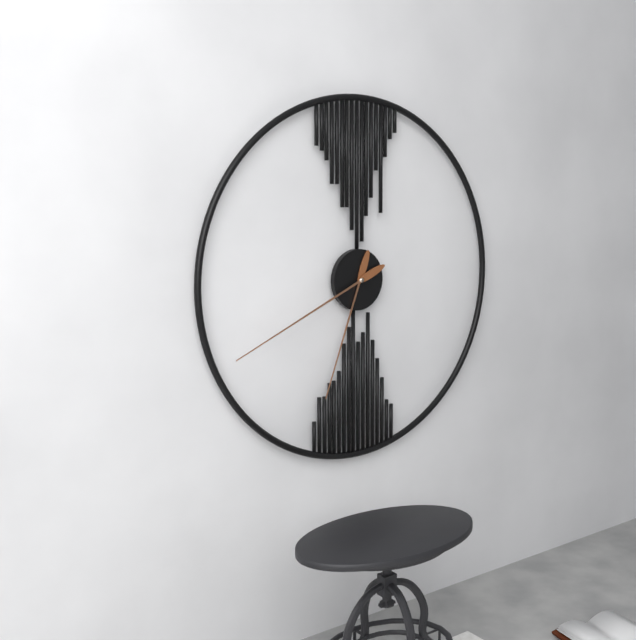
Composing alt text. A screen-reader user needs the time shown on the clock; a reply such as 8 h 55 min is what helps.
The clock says 6 h 41 min
